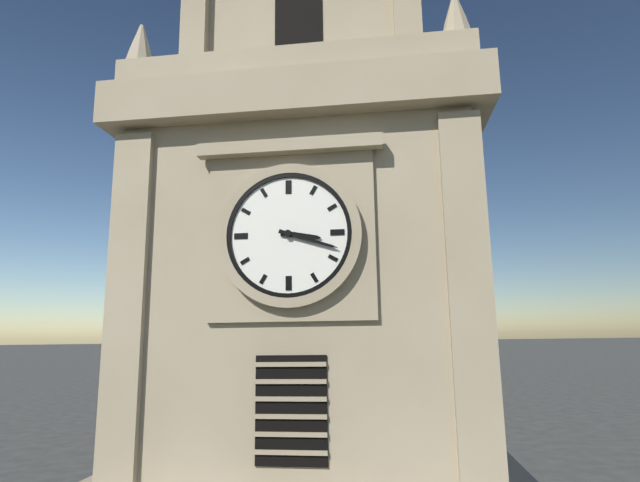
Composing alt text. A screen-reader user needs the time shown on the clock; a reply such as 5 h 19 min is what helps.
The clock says 3 h 18 min
